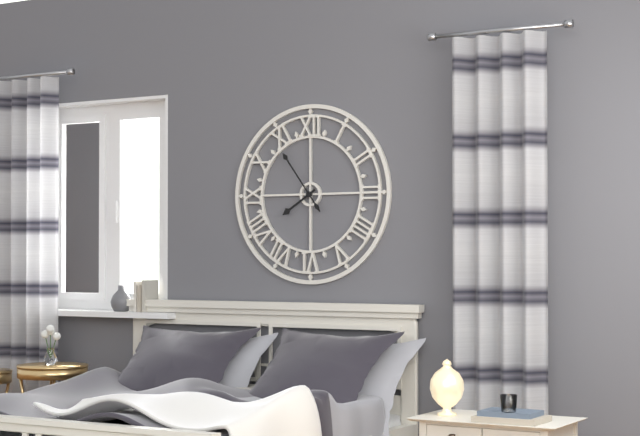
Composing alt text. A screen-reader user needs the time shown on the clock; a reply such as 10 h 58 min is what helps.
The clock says 7 h 54 min
